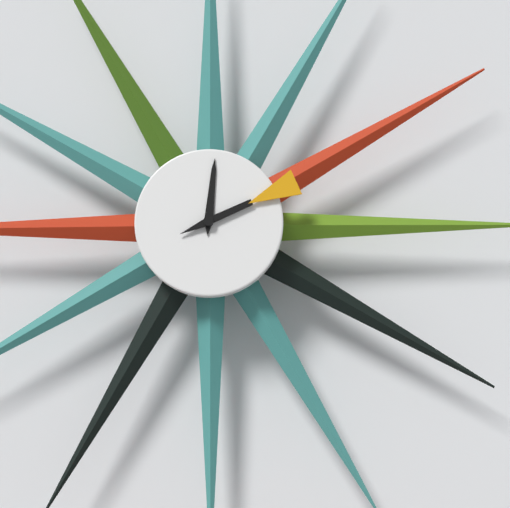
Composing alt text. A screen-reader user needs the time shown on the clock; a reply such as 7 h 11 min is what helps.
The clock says 12 h 11 min
